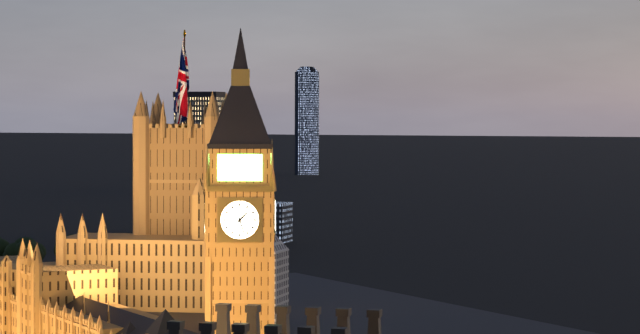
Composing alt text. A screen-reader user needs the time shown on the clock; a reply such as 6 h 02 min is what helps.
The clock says 1 h 27 min
